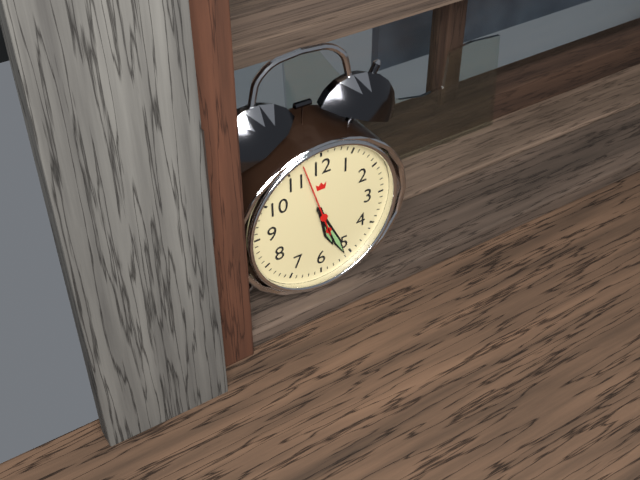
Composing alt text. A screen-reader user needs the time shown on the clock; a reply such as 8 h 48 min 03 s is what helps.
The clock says 5 h 26 min 57 s
